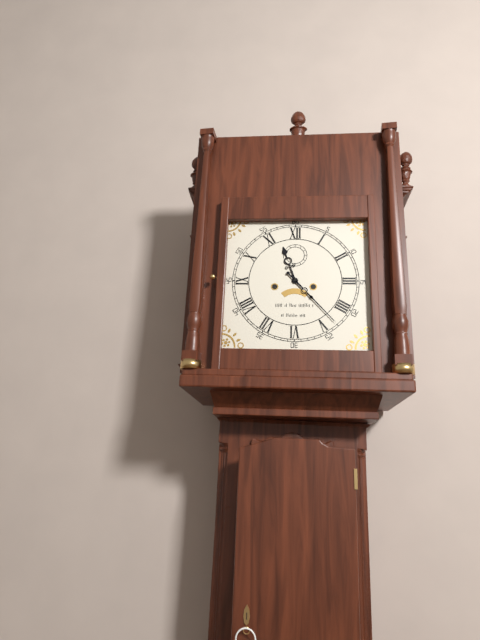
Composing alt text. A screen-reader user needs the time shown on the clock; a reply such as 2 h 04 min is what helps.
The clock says 11 h 23 min
